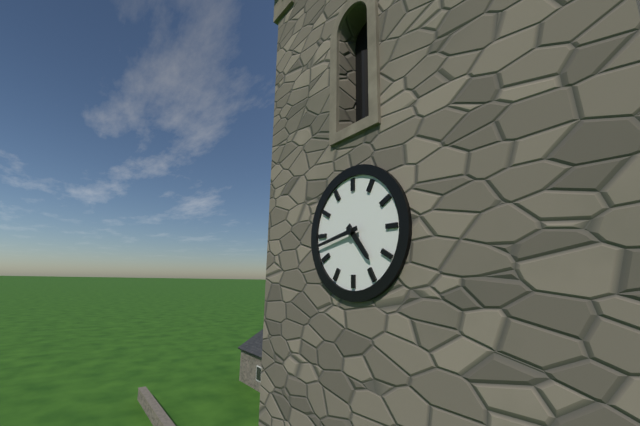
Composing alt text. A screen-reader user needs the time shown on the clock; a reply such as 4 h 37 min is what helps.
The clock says 4 h 43 min
